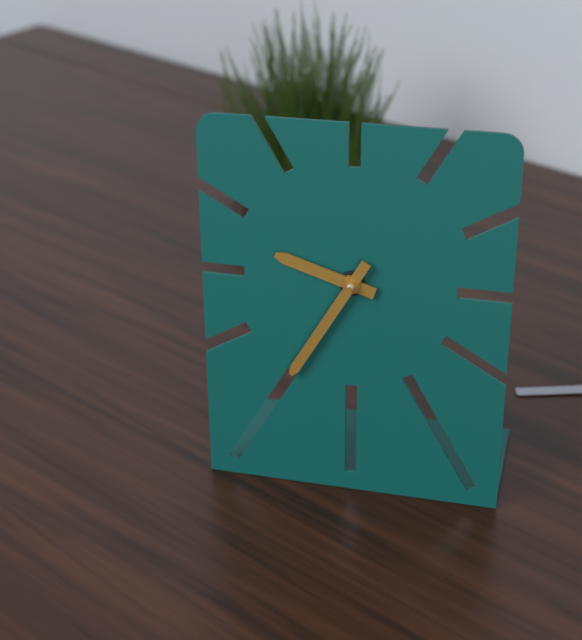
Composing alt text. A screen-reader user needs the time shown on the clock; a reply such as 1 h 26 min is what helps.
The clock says 9 h 35 min
